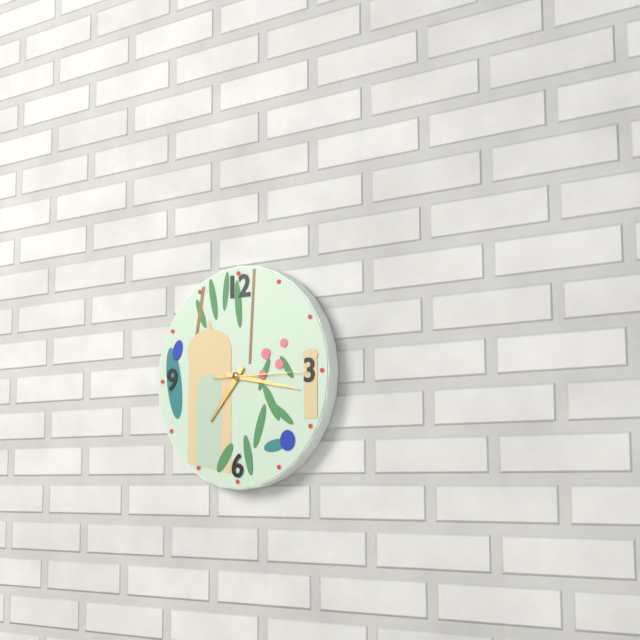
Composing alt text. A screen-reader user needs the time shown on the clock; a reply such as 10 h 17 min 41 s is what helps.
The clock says 7 h 17 min 15 s
